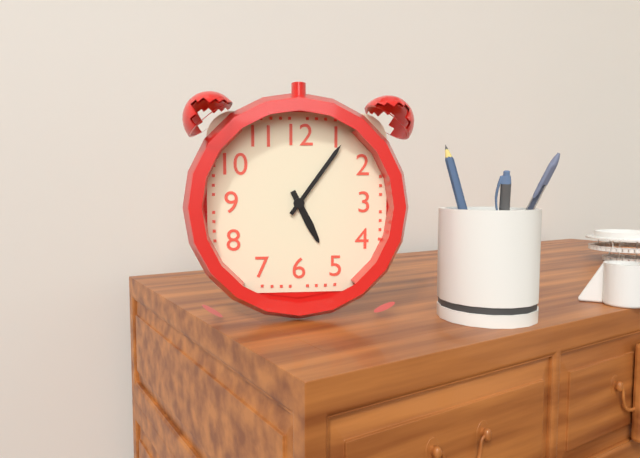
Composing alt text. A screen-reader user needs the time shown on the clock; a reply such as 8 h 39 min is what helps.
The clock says 5 h 06 min
